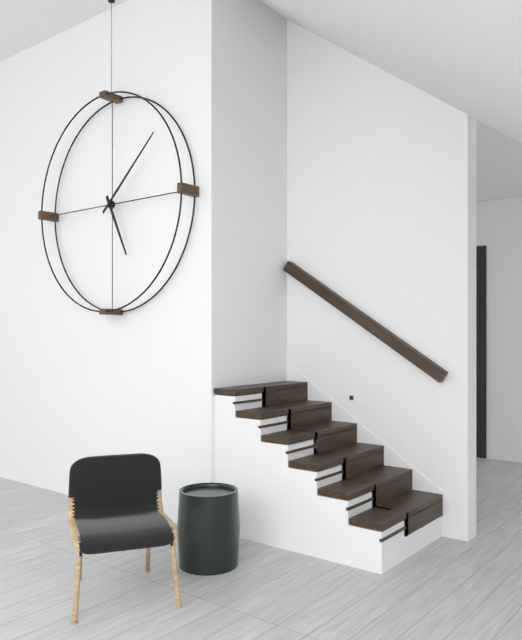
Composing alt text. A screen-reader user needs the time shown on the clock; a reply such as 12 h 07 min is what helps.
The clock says 5 h 08 min
